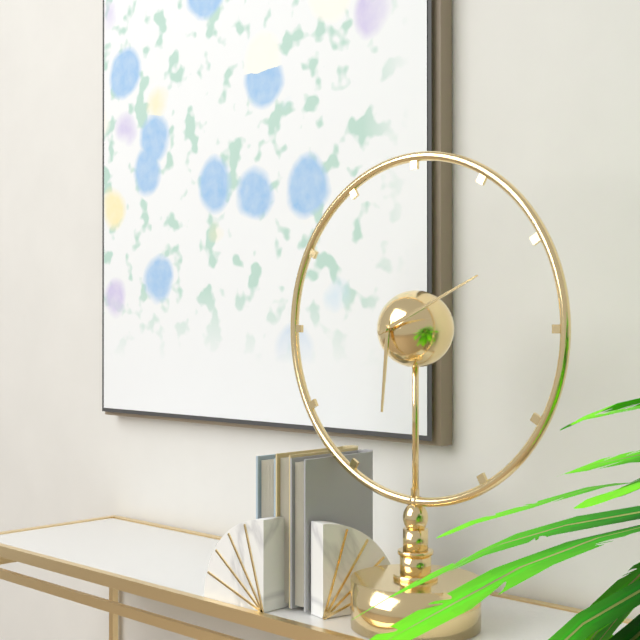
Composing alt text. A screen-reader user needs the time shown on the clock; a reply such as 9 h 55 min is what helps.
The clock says 6 h 11 min
